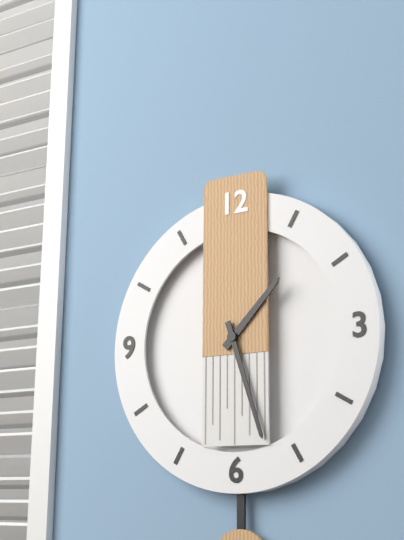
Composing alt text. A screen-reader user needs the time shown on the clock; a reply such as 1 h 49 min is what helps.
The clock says 1 h 27 min
